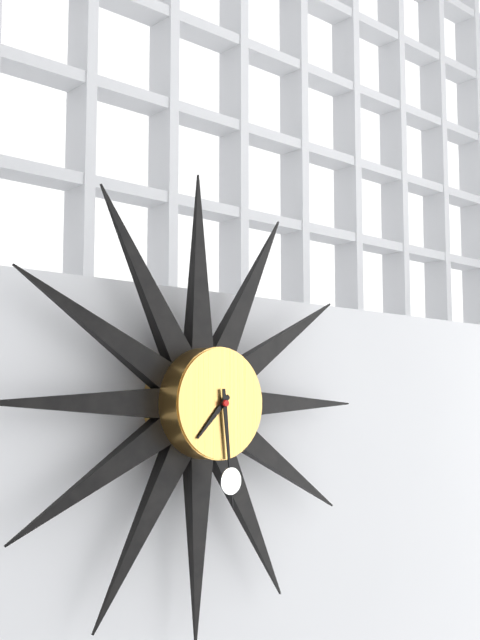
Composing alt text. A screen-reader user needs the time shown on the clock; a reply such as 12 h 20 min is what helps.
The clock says 7 h 29 min
